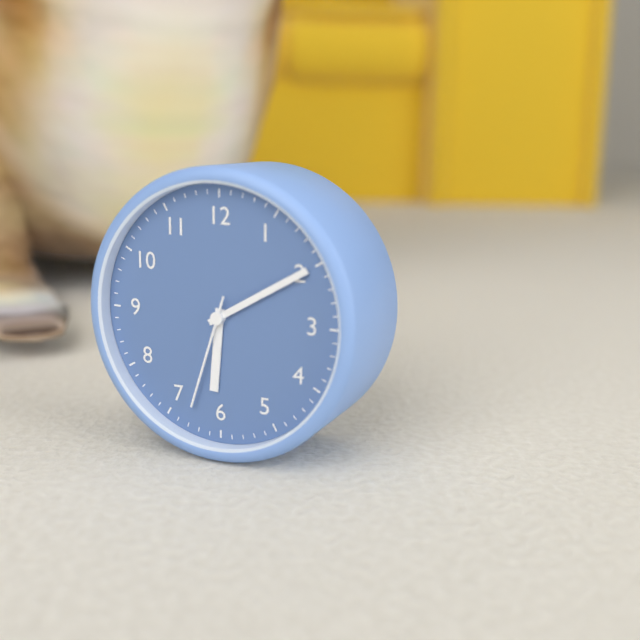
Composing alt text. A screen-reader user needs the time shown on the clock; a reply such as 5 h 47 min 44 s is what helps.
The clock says 6 h 10 min 33 s
